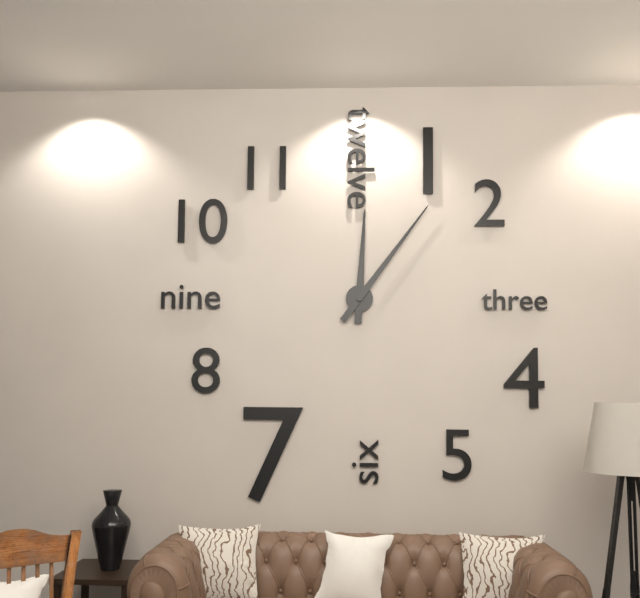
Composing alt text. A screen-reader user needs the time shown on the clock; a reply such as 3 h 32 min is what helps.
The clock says 12 h 06 min
